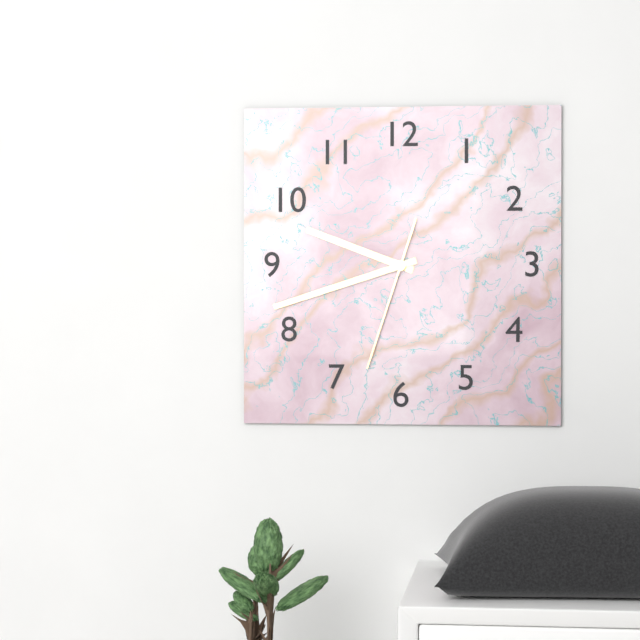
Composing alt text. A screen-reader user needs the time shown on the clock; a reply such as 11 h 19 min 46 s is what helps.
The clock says 9 h 42 min 33 s
